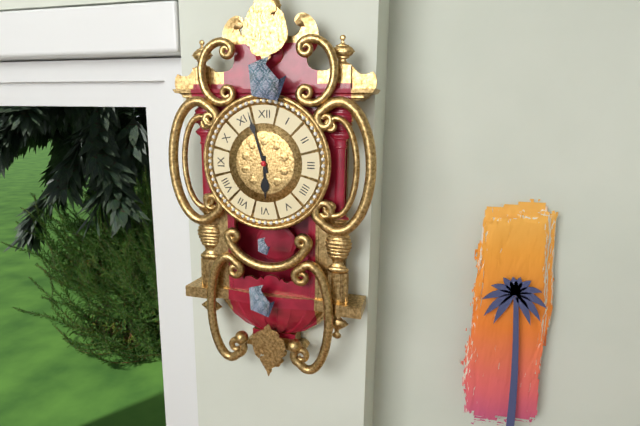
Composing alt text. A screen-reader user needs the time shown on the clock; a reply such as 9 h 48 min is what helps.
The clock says 5 h 57 min
